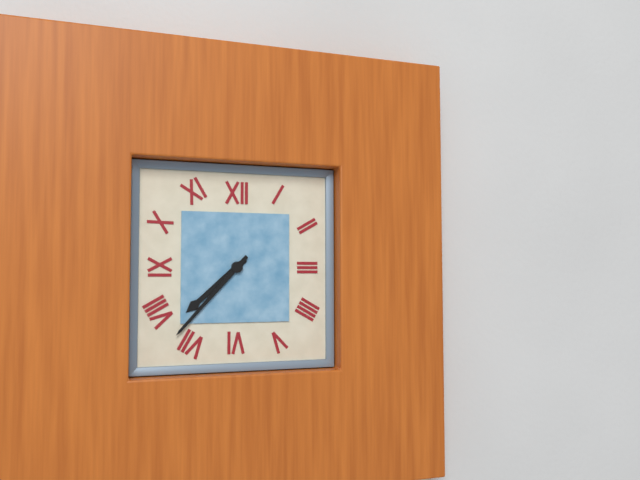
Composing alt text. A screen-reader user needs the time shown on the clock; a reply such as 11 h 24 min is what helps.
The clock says 7 h 37 min
